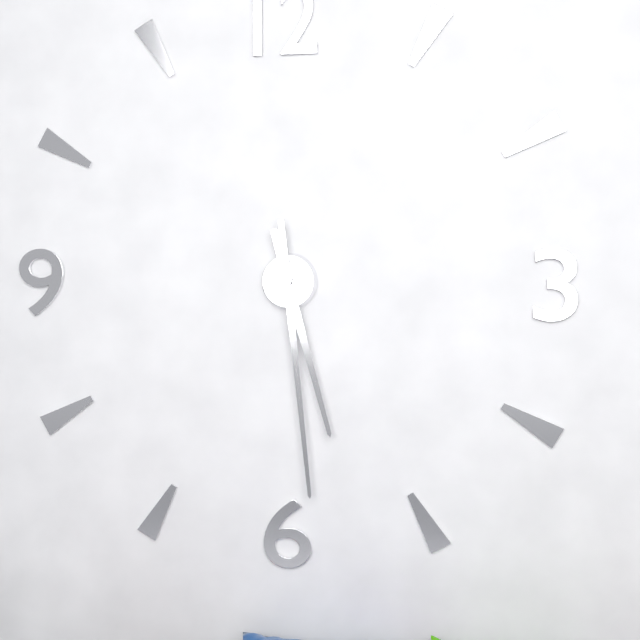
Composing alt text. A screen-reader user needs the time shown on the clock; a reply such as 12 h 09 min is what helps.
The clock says 5 h 29 min
